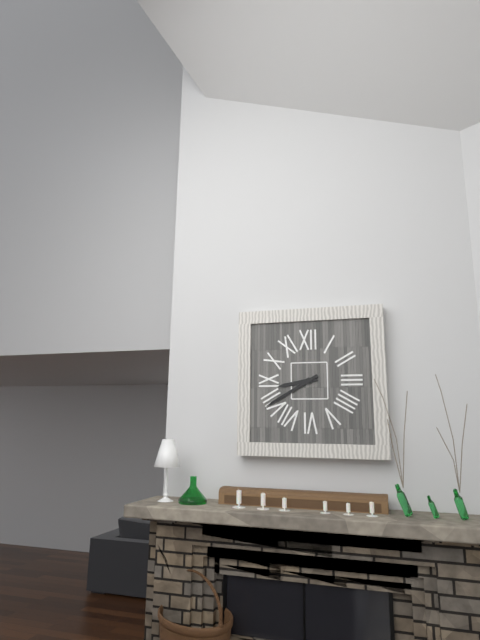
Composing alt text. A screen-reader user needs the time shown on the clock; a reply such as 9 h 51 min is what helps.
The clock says 8 h 40 min
